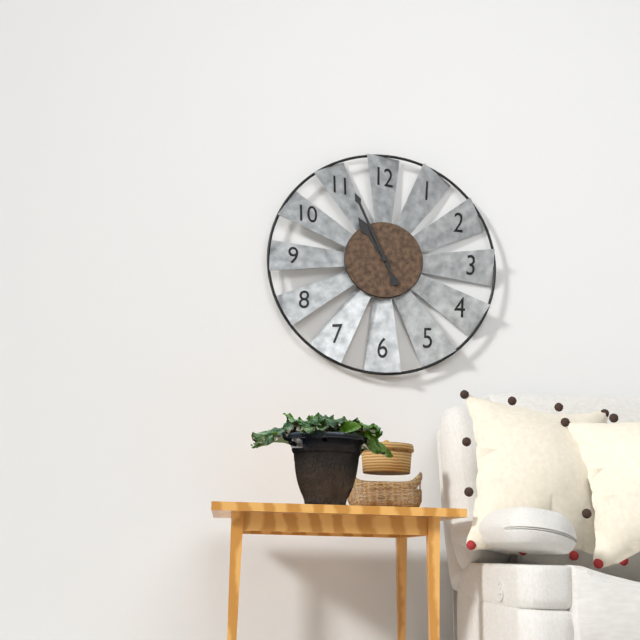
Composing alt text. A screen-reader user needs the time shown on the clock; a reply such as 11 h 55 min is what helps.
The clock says 10 h 56 min
